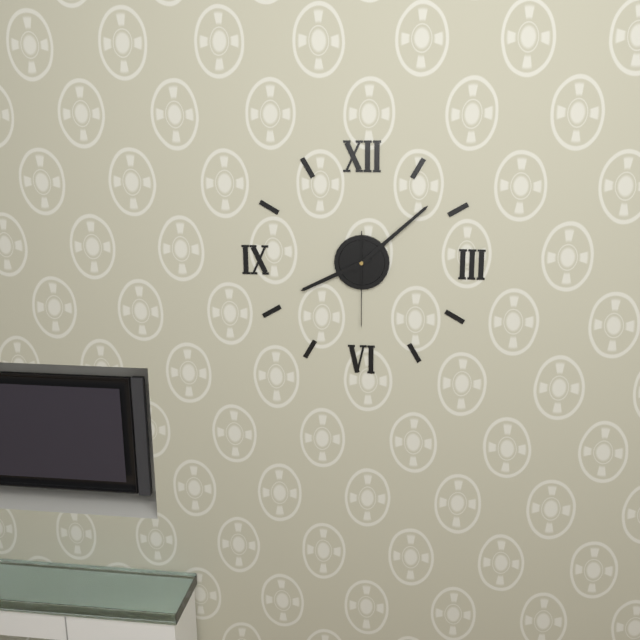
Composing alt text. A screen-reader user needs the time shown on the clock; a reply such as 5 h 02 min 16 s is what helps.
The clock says 8 h 08 min 30 s
